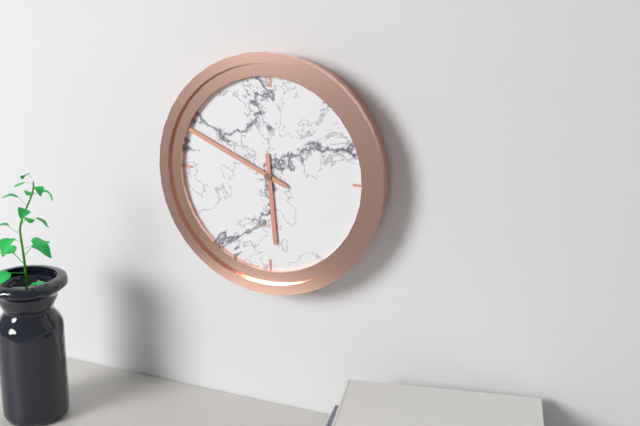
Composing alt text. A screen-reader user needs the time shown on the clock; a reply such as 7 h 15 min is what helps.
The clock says 5 h 49 min
